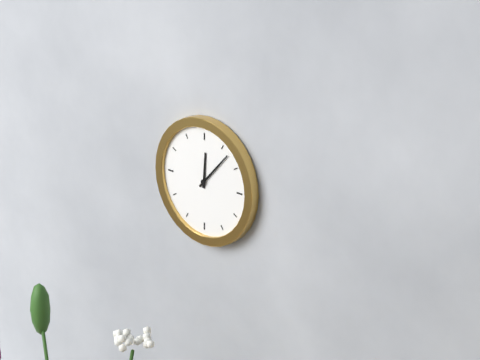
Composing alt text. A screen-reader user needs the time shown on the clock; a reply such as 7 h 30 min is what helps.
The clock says 12 h 07 min
